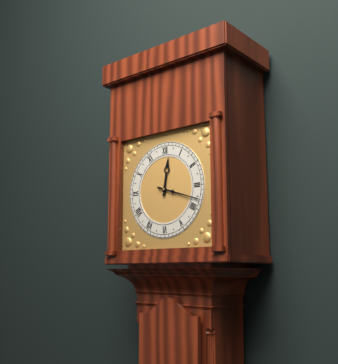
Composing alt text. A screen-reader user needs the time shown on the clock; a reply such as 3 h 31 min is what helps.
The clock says 12 h 18 min
